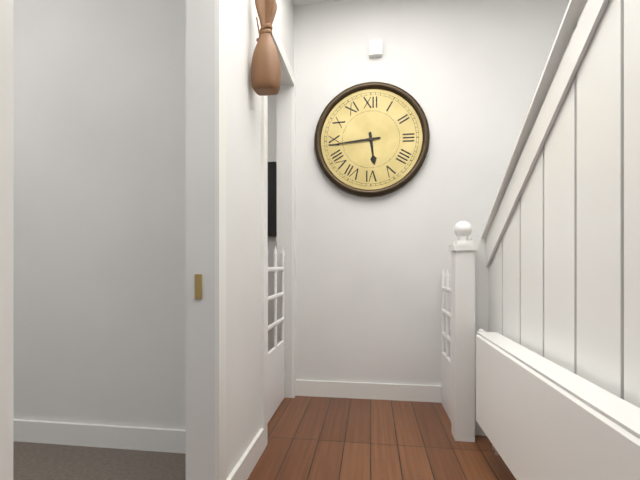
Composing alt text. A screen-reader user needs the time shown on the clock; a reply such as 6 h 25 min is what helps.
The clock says 5 h 44 min
